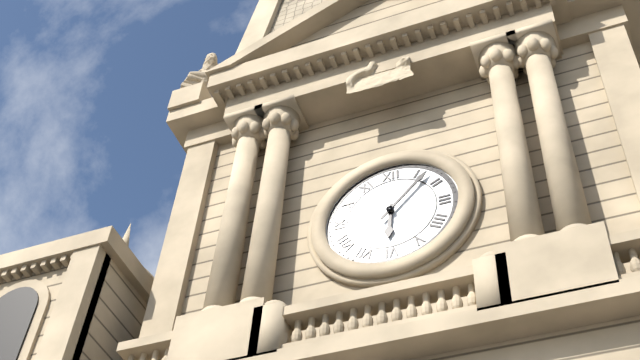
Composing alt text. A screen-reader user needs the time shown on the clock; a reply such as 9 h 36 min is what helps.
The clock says 6 h 07 min
